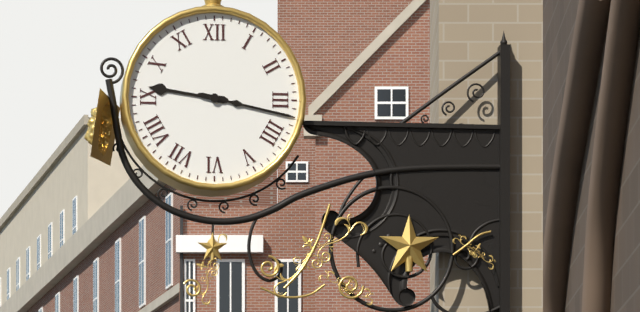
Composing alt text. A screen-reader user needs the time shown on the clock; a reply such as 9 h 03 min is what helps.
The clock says 9 h 17 min
